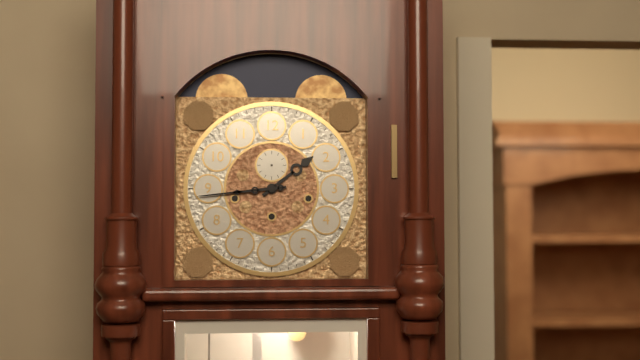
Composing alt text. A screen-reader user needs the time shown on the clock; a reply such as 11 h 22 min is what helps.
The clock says 1 h 44 min
